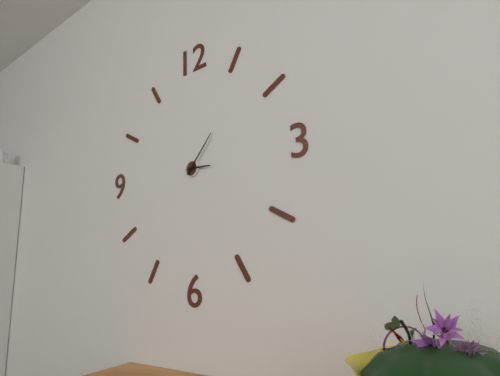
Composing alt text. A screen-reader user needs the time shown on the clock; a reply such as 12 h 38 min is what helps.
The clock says 3 h 07 min
